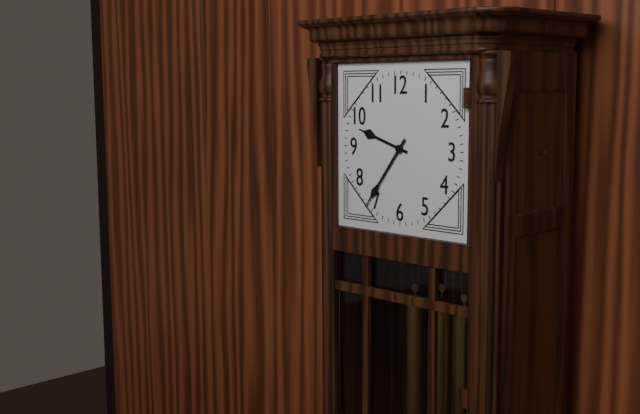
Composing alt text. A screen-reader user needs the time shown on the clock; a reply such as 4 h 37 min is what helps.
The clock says 9 h 36 min
